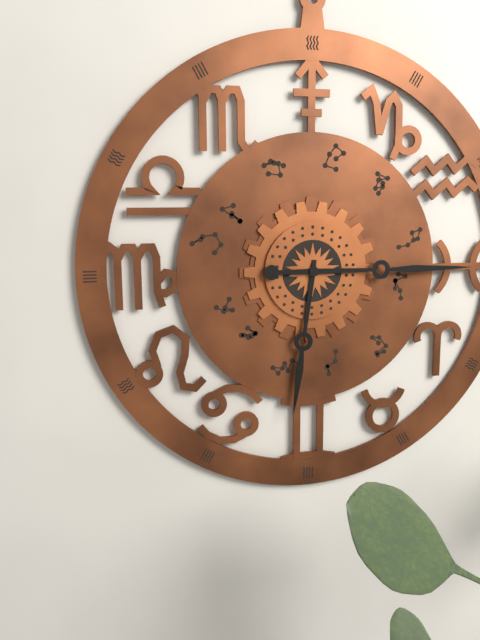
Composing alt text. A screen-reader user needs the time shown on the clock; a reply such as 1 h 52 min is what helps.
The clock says 6 h 15 min
